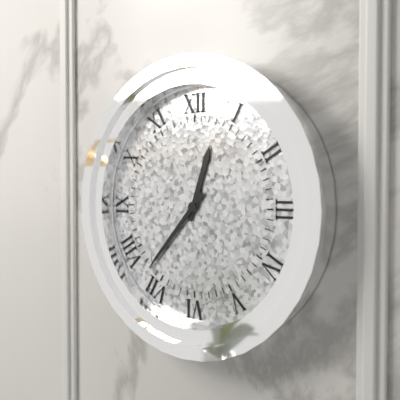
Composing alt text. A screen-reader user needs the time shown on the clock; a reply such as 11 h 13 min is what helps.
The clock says 12 h 37 min
